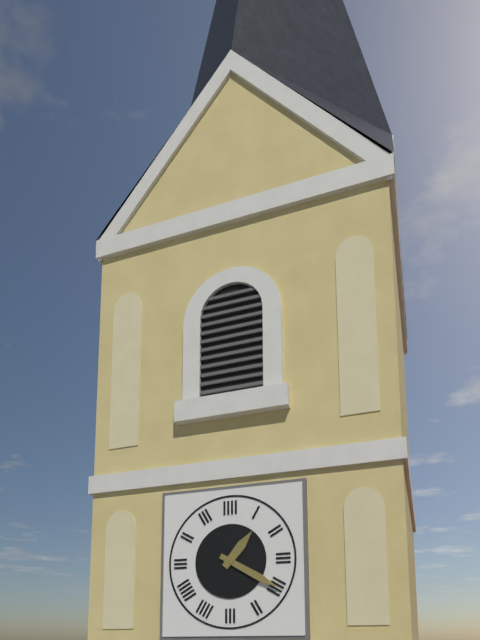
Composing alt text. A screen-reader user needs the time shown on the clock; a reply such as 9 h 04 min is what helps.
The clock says 1 h 20 min
